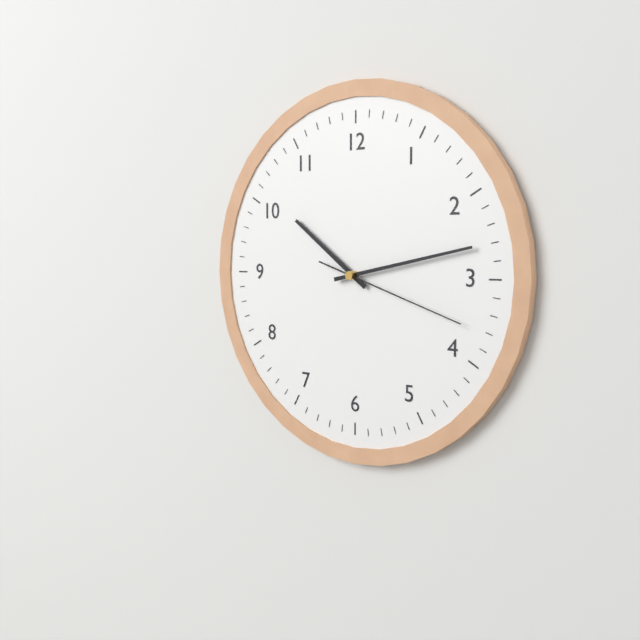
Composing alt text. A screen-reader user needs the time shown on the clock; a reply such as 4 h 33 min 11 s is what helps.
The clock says 10 h 13 min 18 s
